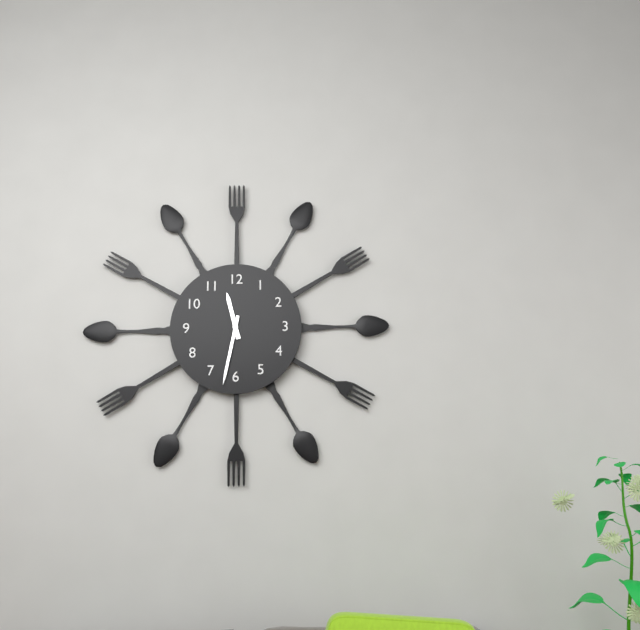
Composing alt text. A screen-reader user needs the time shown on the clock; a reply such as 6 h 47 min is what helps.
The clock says 11 h 32 min
